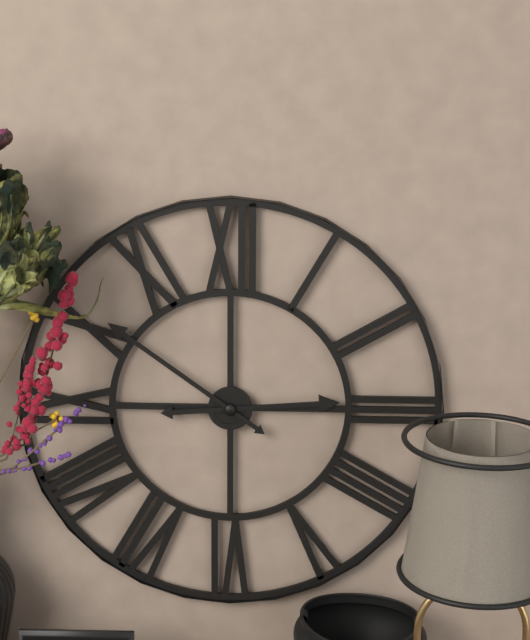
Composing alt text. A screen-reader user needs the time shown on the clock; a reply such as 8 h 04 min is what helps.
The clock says 2 h 51 min
